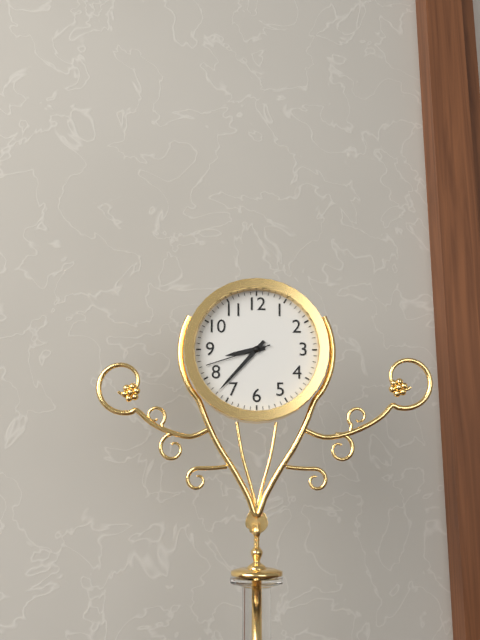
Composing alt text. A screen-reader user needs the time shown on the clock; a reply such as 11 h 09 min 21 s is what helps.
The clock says 8 h 37 min 42 s
